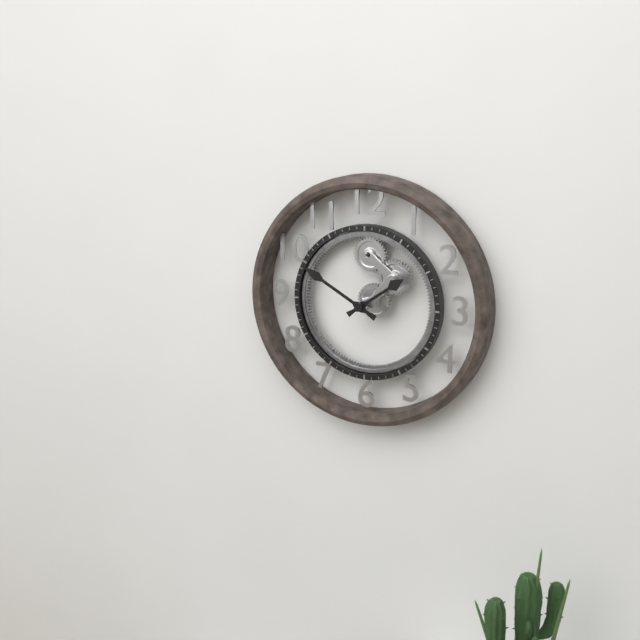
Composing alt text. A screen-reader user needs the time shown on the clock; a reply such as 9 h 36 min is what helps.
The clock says 1 h 50 min
